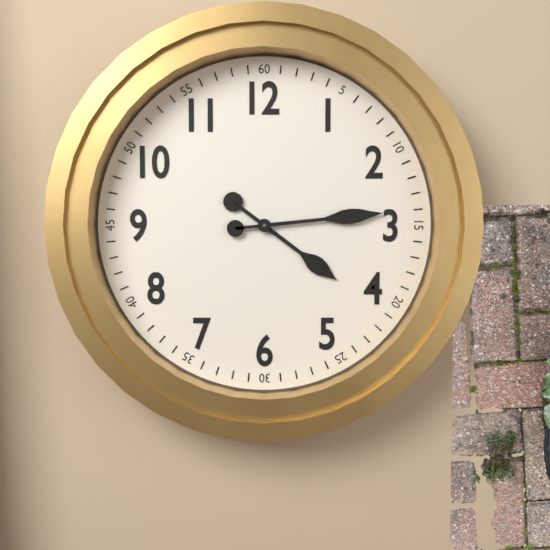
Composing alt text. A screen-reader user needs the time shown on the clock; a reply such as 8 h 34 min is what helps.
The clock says 4 h 14 min
